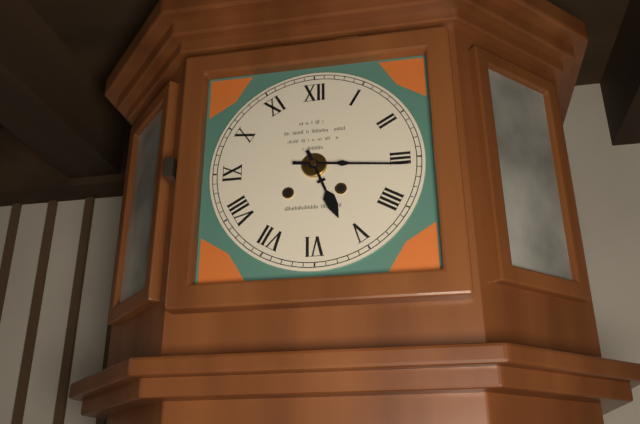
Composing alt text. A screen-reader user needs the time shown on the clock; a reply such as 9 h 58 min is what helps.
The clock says 5 h 16 min
